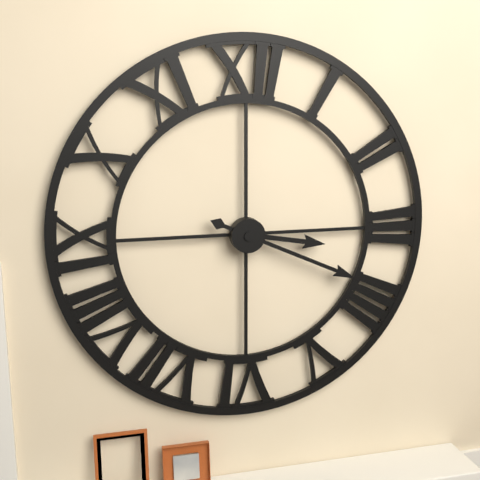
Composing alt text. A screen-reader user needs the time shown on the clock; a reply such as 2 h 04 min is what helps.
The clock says 3 h 19 min
